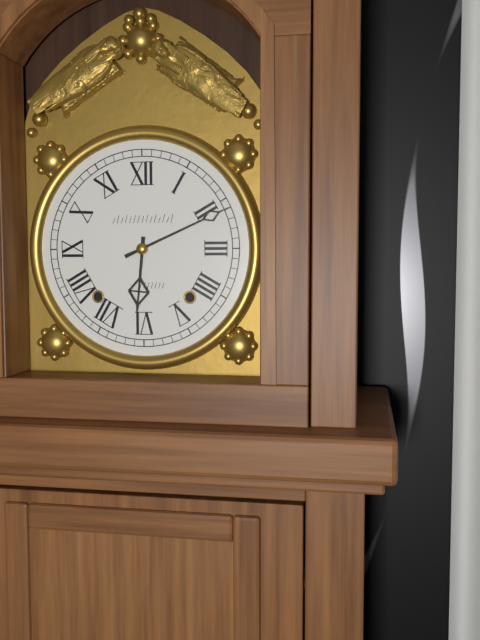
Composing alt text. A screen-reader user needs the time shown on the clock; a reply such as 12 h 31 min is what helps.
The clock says 6 h 11 min
